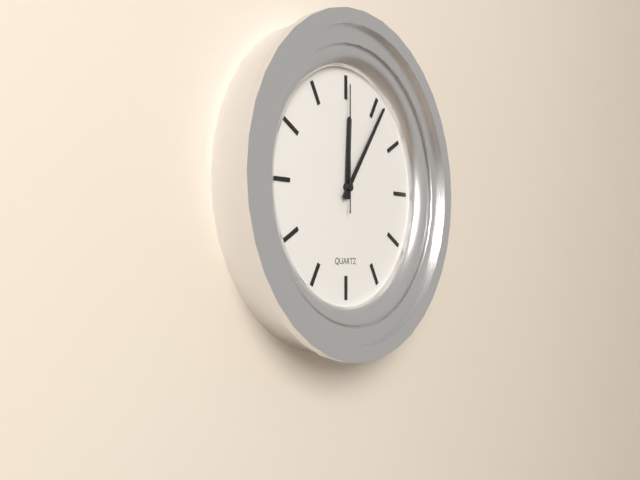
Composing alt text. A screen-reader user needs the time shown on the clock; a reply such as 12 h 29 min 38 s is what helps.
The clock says 12 h 06 min 00 s
